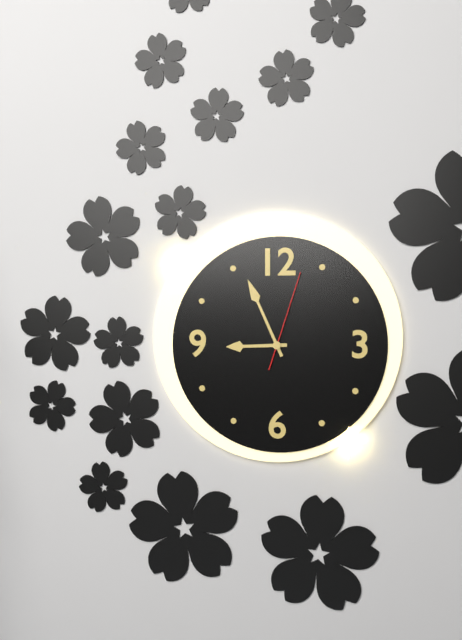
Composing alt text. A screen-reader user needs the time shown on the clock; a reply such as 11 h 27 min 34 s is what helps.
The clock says 8 h 56 min 03 s
